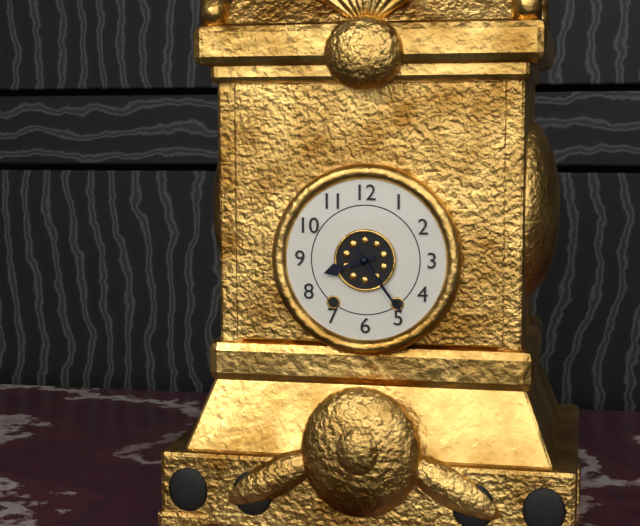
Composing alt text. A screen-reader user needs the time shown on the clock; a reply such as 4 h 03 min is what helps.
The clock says 8 h 24 min
